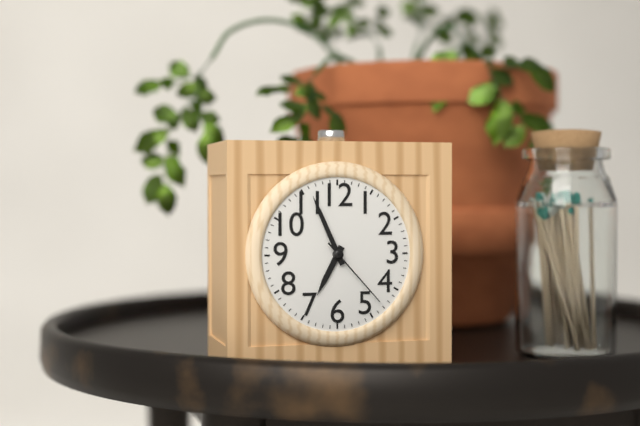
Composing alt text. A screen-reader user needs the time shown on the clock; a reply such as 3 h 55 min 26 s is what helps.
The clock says 6 h 56 min 23 s
